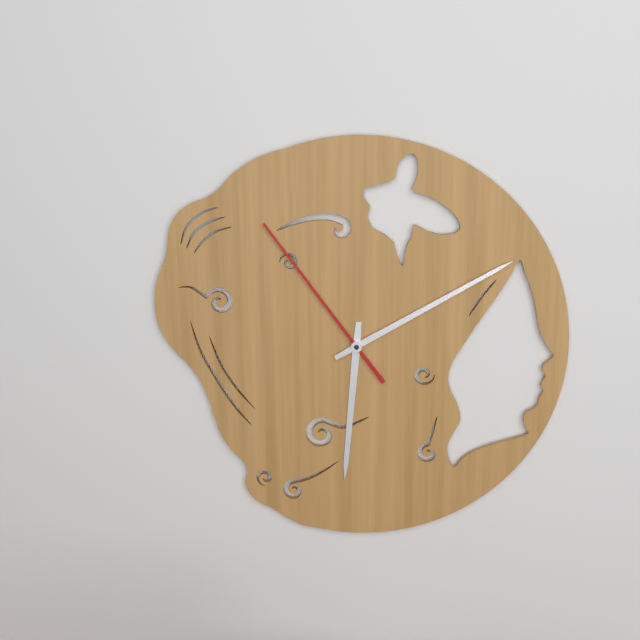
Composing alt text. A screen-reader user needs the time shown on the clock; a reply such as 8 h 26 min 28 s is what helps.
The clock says 6 h 10 min 54 s
